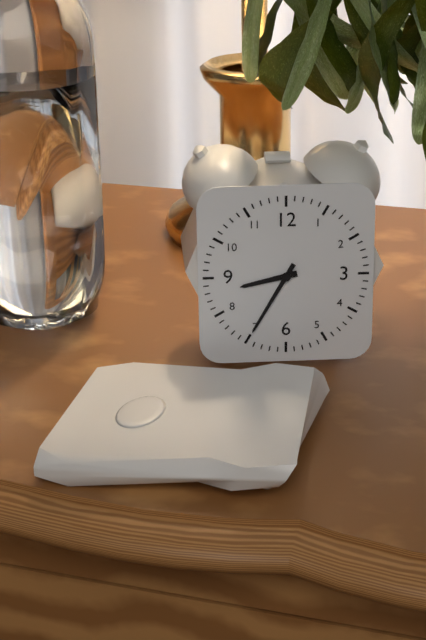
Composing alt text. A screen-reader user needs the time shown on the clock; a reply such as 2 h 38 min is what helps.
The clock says 8 h 35 min
